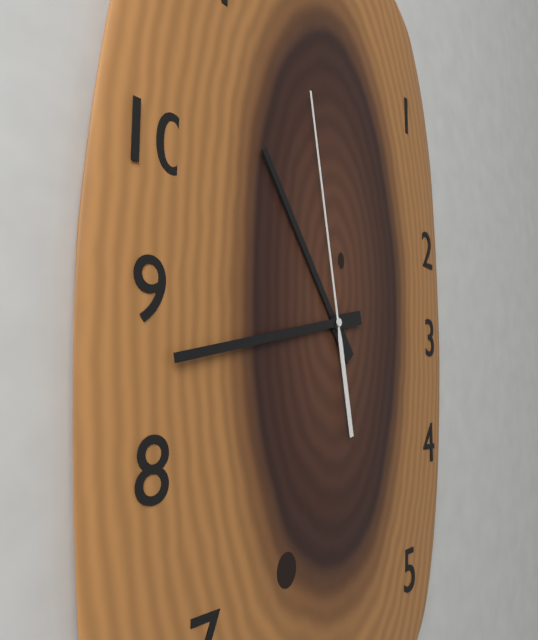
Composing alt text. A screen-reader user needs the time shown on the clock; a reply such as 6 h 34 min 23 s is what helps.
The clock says 10 h 43 min 58 s
